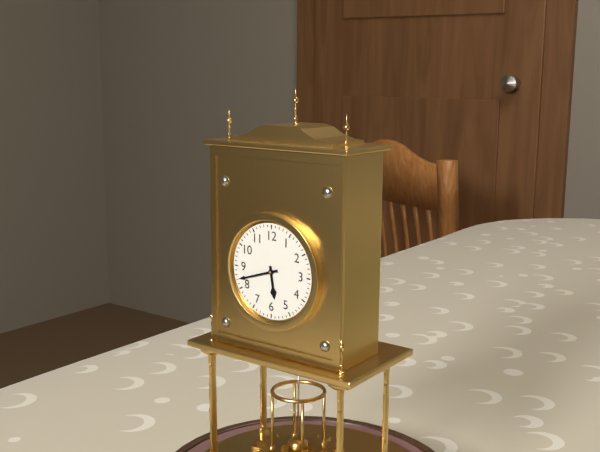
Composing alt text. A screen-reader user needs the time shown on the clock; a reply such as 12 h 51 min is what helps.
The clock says 5 h 42 min
